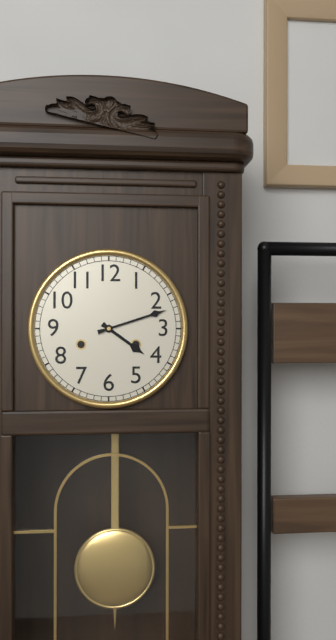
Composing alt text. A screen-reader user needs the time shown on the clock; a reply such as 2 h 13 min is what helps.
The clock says 4 h 12 min
